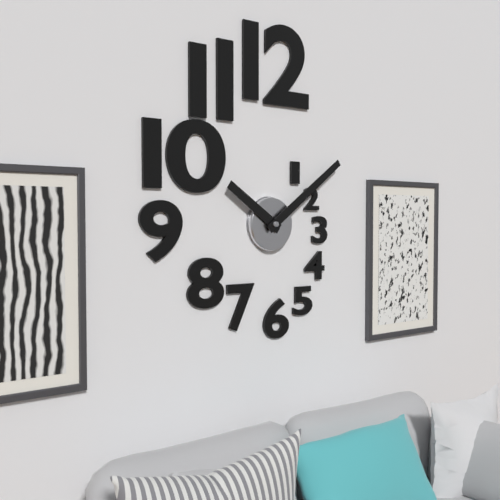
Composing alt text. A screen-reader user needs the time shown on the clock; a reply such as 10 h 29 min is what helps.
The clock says 10 h 09 min
